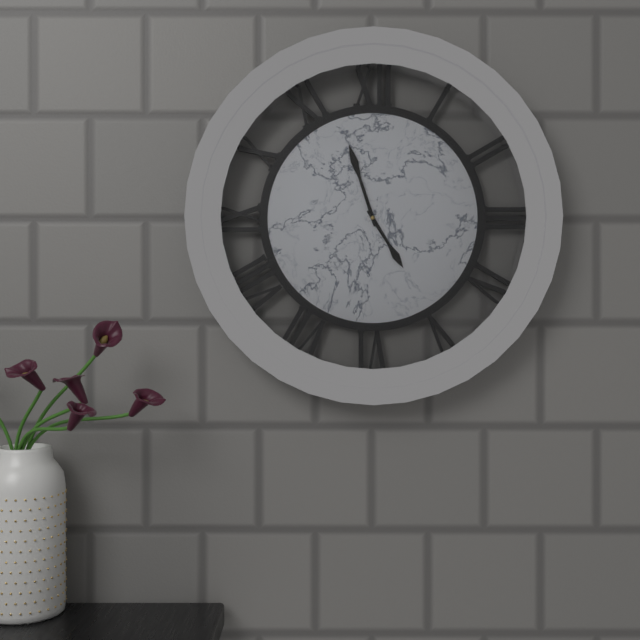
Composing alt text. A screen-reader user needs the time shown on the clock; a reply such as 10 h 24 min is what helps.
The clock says 4 h 57 min
